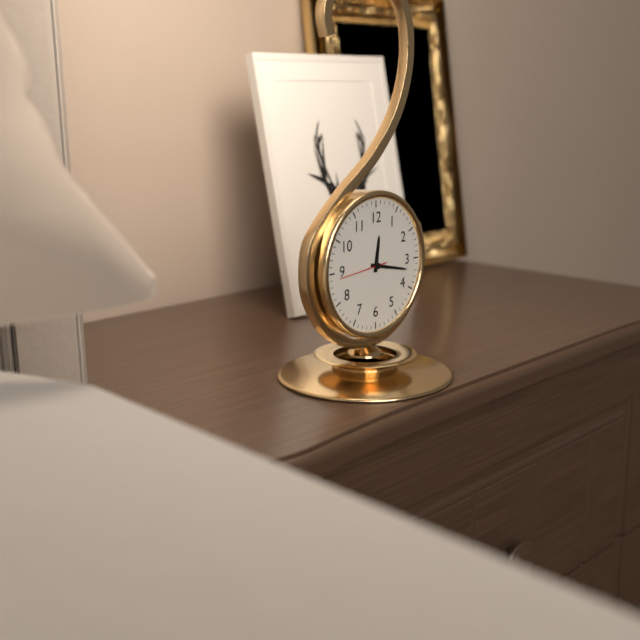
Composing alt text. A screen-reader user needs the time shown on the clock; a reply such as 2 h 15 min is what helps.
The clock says 12 h 17 min
